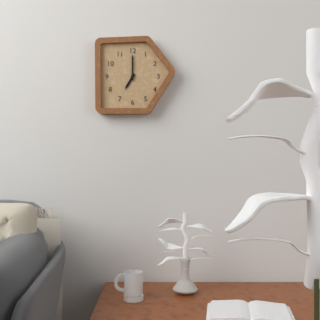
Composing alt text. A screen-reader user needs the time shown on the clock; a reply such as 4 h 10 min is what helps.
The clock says 7 h 00 min
